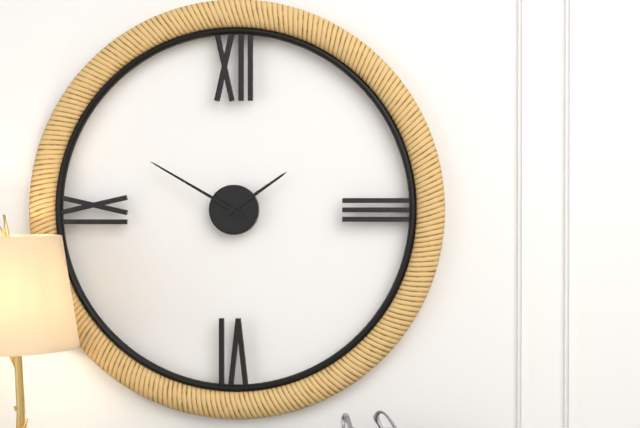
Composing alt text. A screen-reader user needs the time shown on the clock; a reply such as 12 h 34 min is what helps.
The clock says 1 h 50 min
